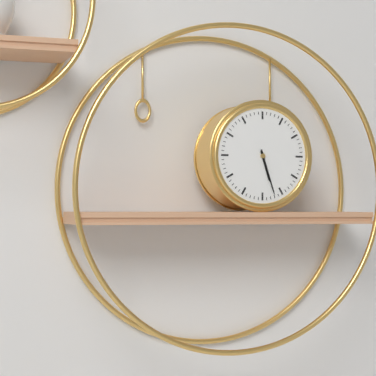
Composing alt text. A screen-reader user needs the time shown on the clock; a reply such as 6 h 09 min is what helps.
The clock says 5 h 27 min
